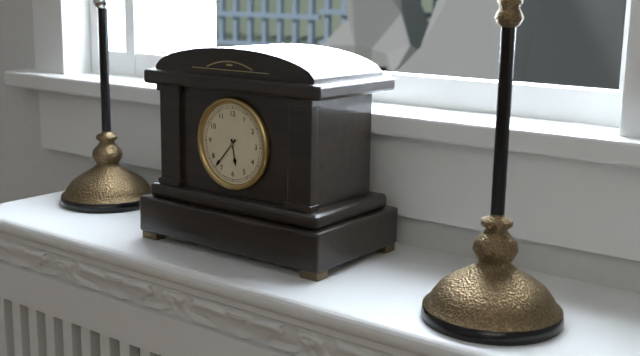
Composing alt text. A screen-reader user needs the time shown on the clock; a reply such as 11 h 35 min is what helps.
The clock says 5 h 37 min
